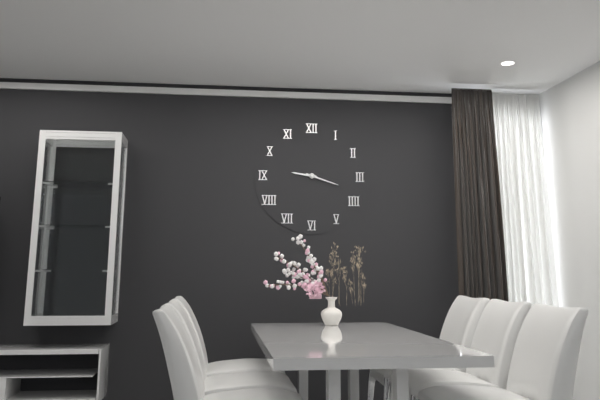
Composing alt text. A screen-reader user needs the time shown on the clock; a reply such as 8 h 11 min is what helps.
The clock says 9 h 18 min
